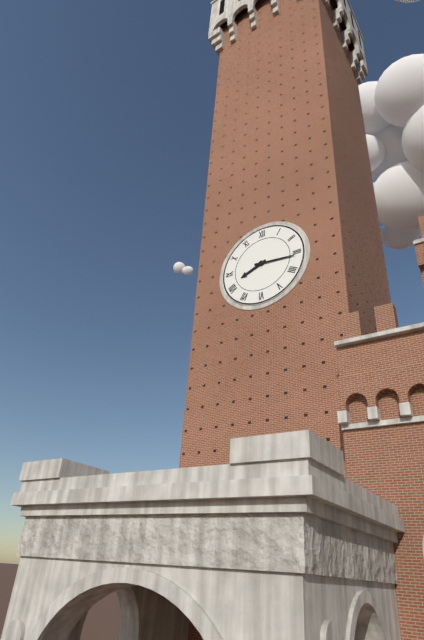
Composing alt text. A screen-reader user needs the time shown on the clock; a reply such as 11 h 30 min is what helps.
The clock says 8 h 16 min
